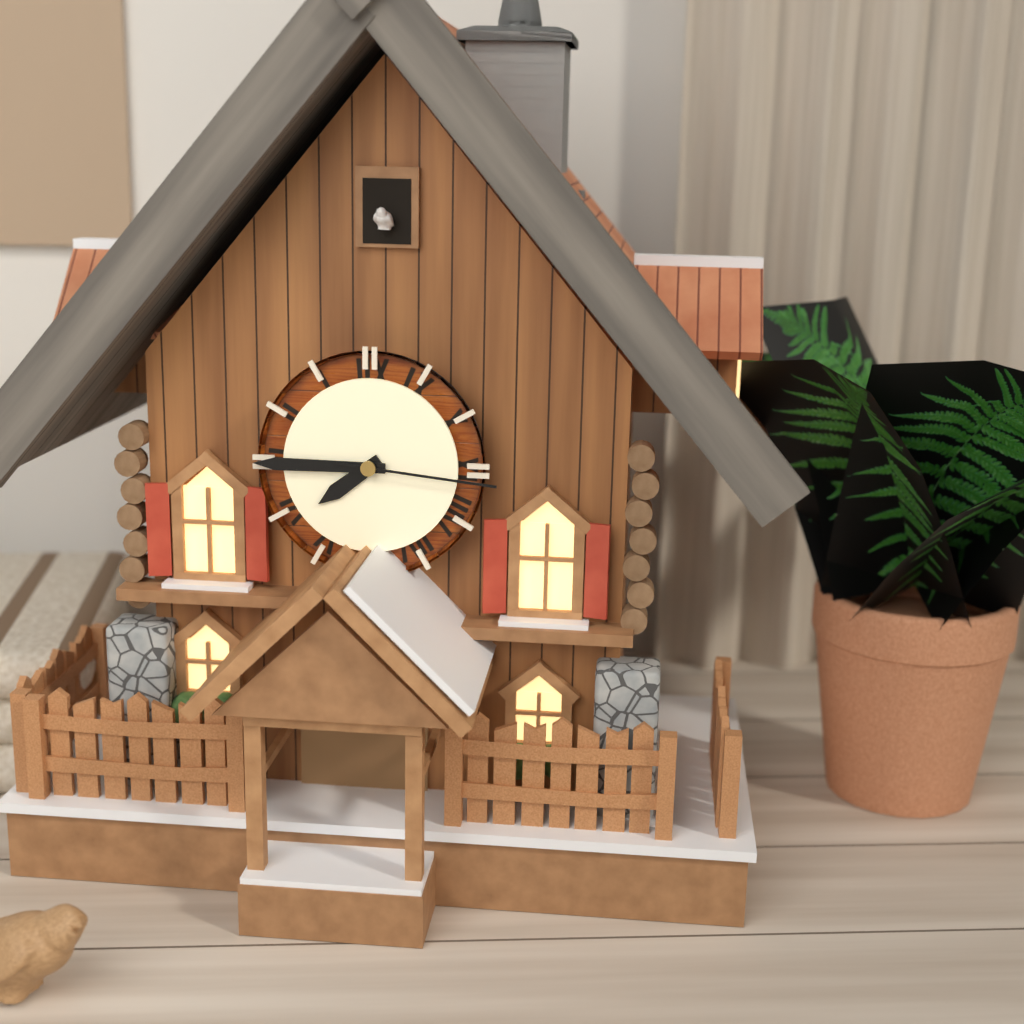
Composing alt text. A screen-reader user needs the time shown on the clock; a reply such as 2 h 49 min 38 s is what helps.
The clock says 7 h 45 min 16 s
